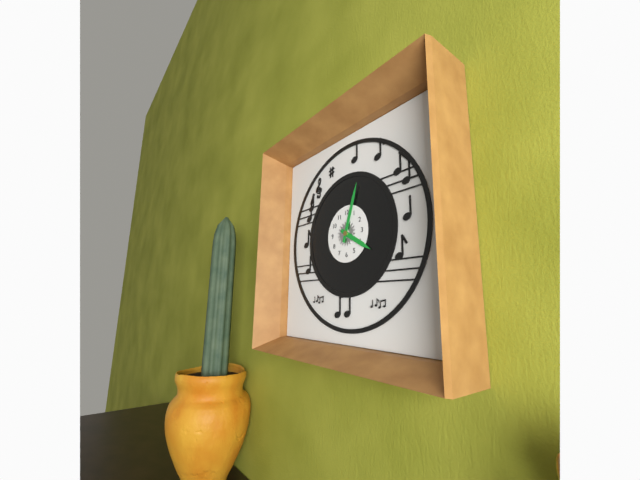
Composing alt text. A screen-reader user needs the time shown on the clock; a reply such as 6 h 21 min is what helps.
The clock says 4 h 03 min
